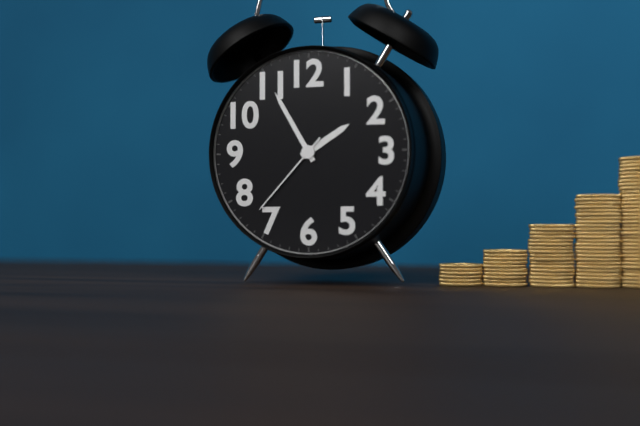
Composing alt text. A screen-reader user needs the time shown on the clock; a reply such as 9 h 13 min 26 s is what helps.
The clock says 1 h 55 min 37 s
